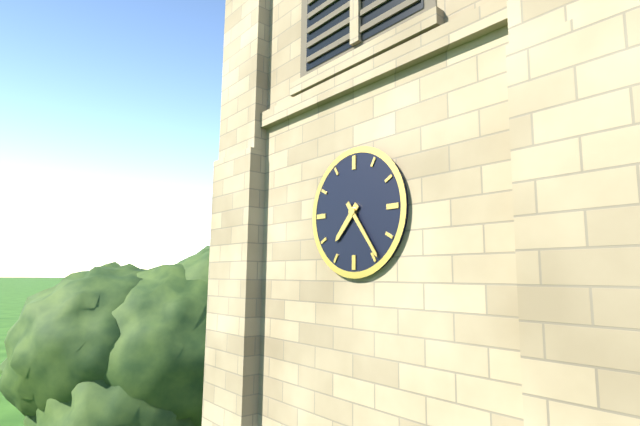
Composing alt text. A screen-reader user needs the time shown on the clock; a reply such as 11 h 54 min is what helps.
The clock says 7 h 24 min
